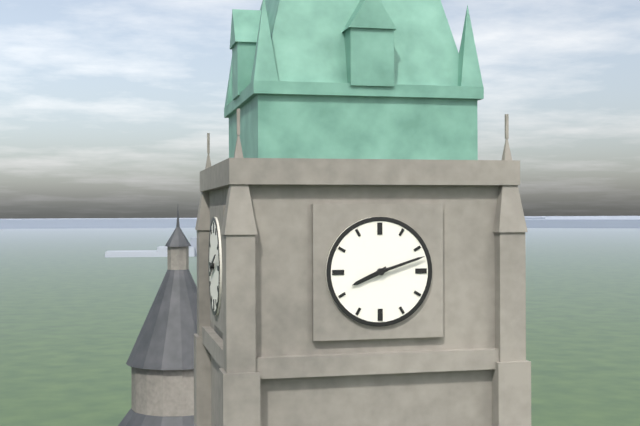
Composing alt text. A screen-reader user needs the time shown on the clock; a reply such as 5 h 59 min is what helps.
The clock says 8 h 12 min
